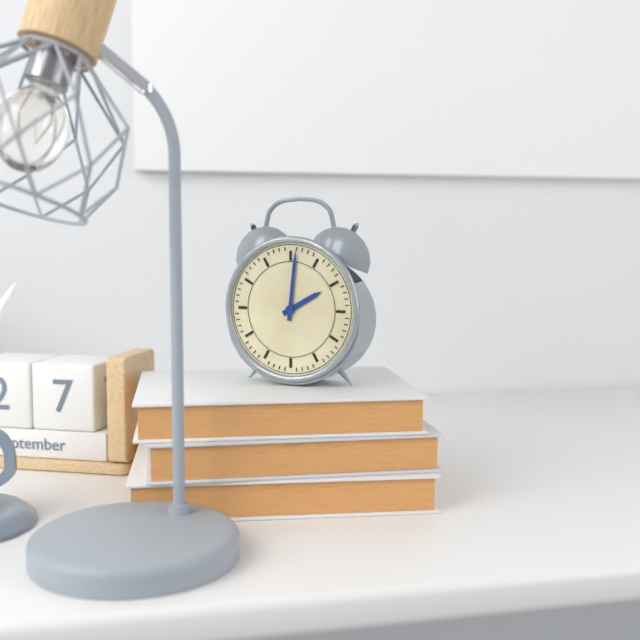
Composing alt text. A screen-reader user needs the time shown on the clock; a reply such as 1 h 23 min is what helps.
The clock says 2 h 01 min
